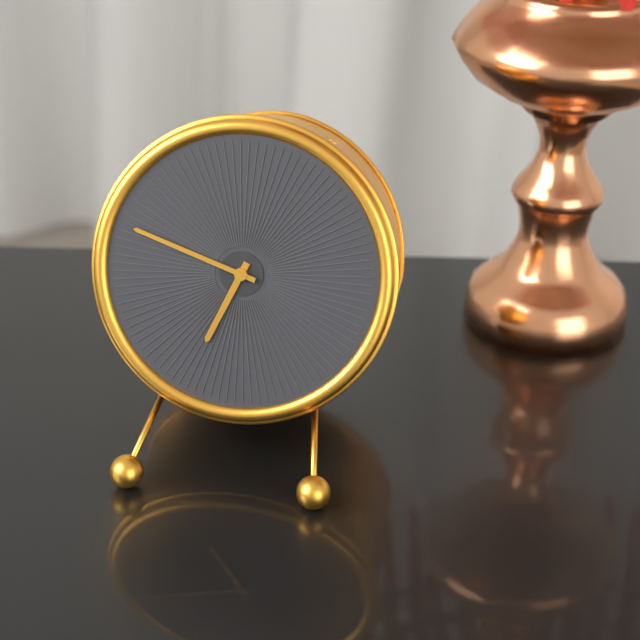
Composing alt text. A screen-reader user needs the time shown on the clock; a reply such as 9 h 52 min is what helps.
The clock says 6 h 48 min
